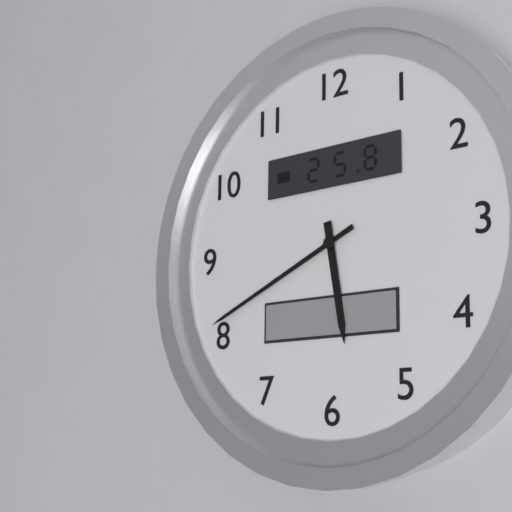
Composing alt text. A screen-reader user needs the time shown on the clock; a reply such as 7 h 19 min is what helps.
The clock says 5 h 41 min
